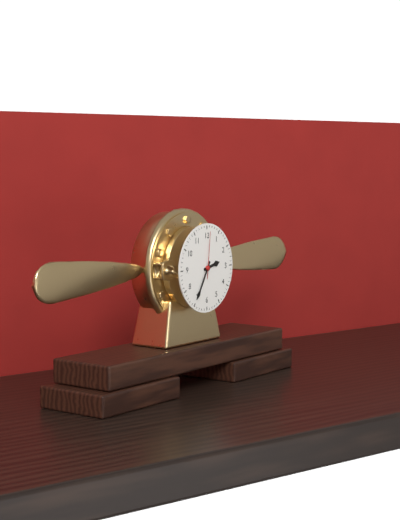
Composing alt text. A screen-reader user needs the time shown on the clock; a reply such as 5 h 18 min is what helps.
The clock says 2 h 35 min
